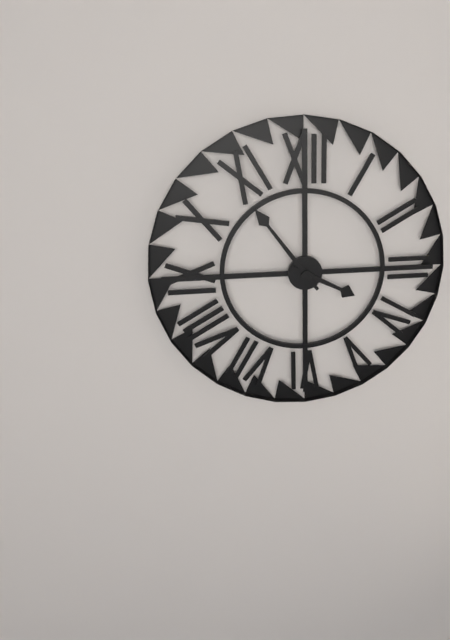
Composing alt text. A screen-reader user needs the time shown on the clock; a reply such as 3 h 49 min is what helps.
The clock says 3 h 54 min
